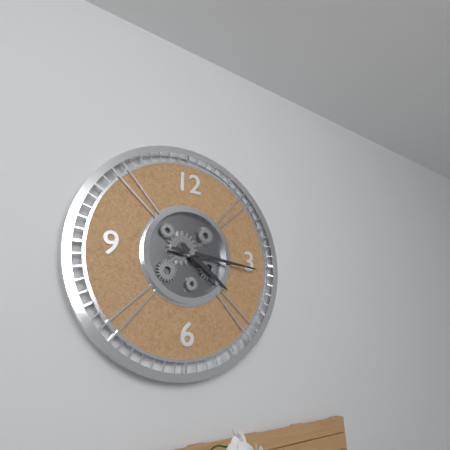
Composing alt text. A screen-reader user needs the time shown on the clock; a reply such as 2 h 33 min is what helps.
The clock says 4 h 16 min
